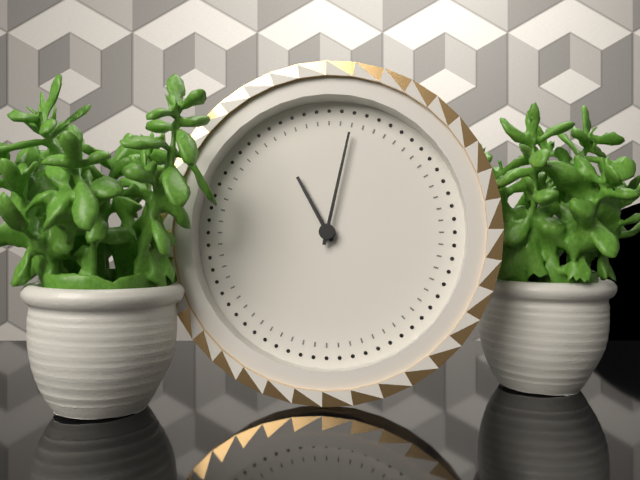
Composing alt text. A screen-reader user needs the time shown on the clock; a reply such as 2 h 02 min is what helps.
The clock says 11 h 02 min
